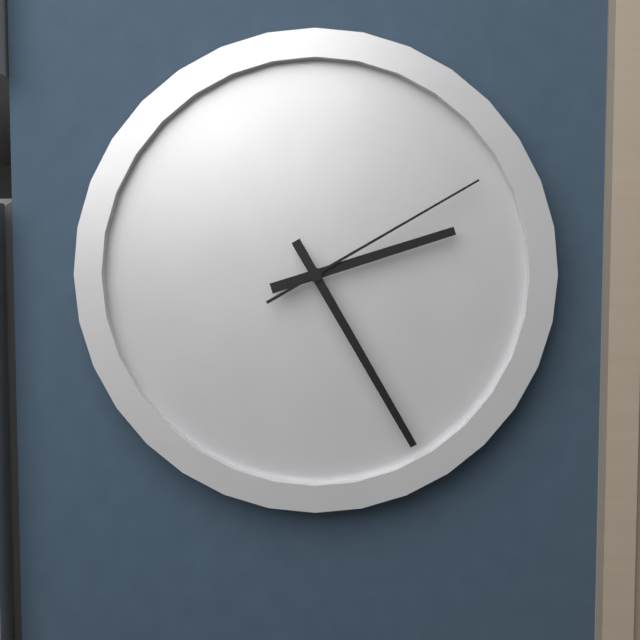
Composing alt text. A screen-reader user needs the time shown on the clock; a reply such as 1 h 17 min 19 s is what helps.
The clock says 2 h 25 min 10 s
